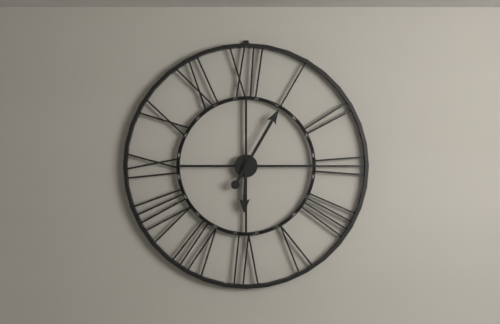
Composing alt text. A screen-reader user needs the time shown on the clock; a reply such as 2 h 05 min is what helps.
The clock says 6 h 05 min
